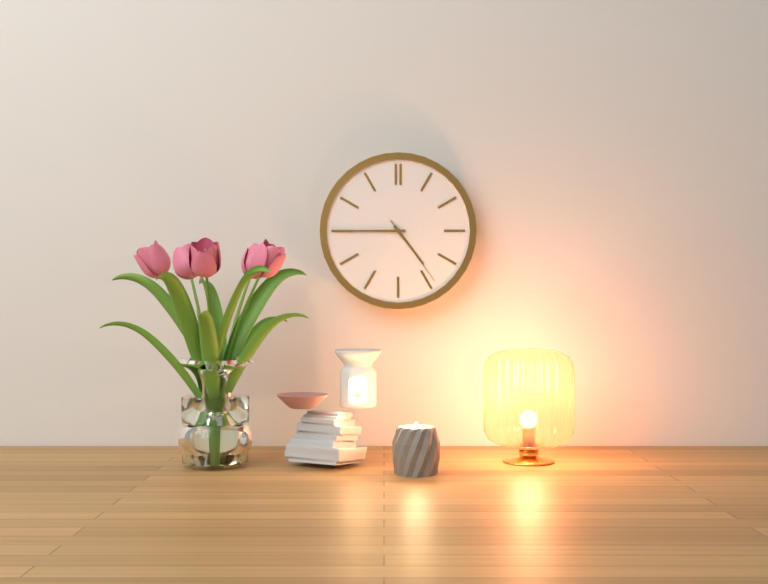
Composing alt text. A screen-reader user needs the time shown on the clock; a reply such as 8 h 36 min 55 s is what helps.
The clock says 4 h 45 min 24 s
